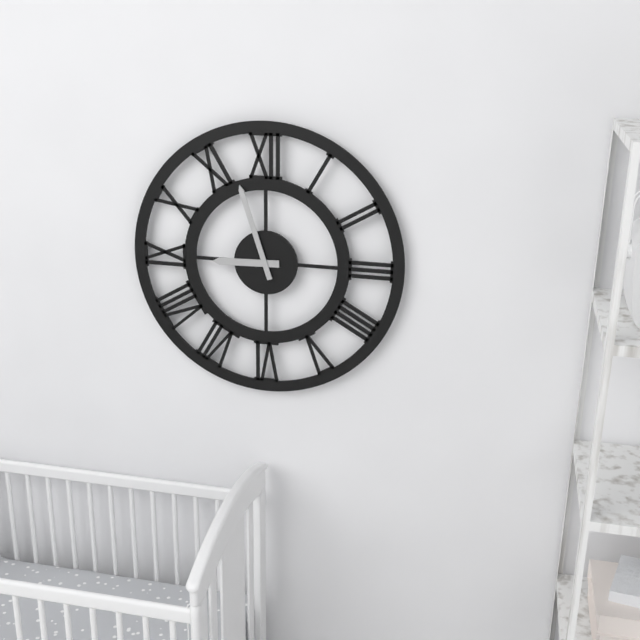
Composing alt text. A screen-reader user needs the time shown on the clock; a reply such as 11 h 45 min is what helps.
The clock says 8 h 57 min
